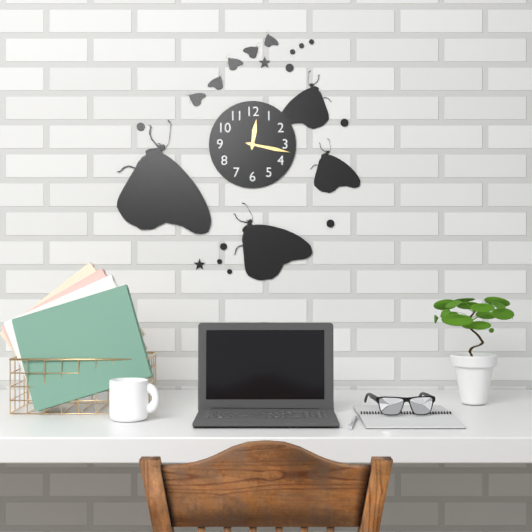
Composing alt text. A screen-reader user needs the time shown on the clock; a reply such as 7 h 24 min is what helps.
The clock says 12 h 17 min
